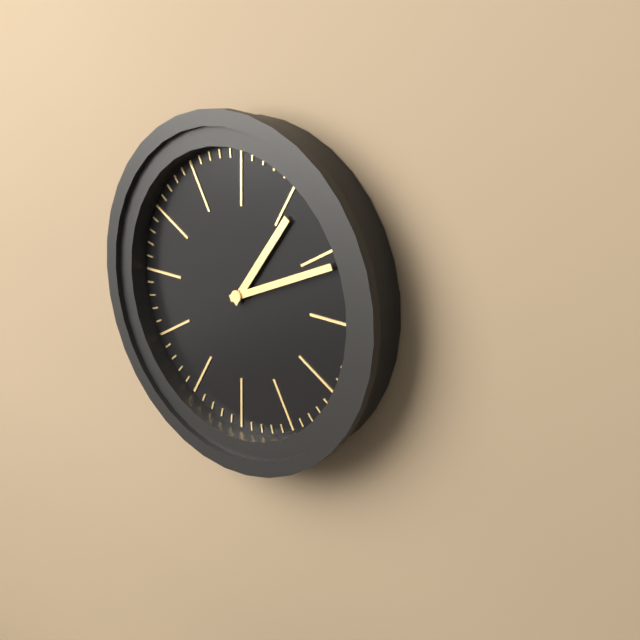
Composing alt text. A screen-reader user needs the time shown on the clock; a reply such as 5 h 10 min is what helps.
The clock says 1 h 11 min
